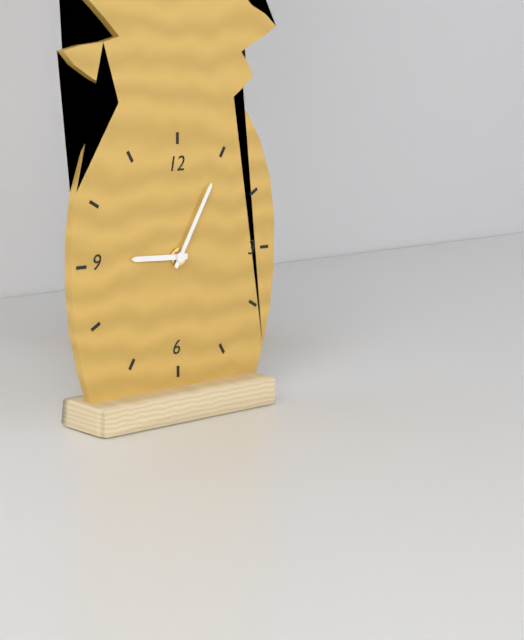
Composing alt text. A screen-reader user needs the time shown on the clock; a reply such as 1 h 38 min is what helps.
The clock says 9 h 05 min
